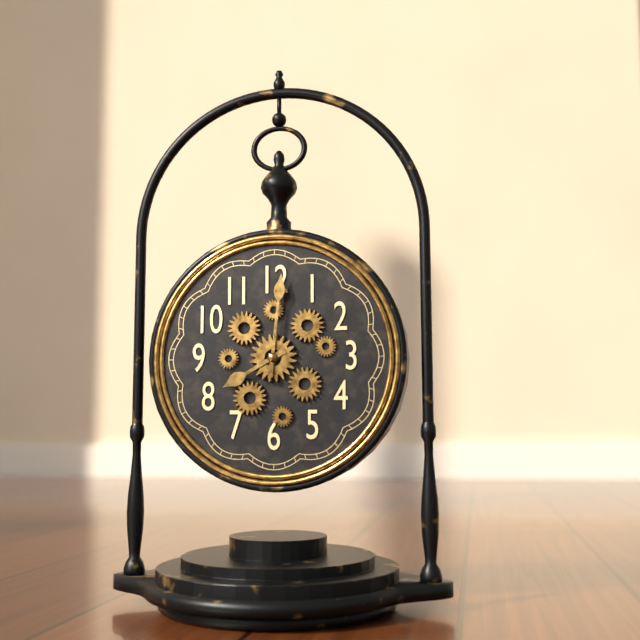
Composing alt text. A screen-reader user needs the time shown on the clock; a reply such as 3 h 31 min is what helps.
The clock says 8 h 01 min
